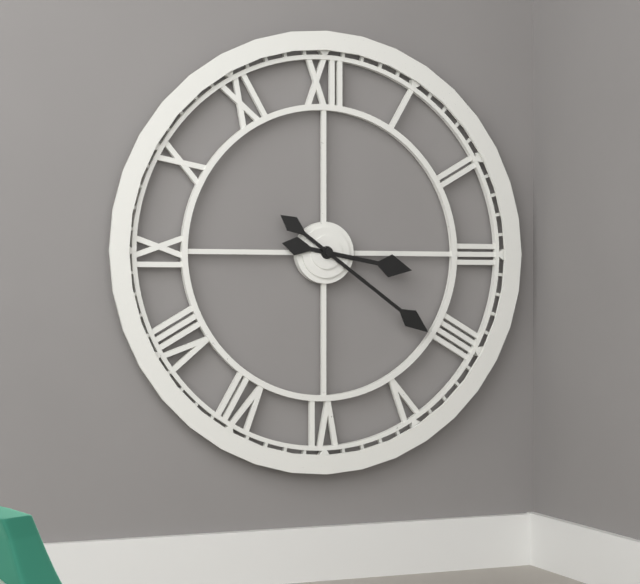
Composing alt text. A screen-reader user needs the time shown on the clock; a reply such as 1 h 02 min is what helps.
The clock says 3 h 21 min
